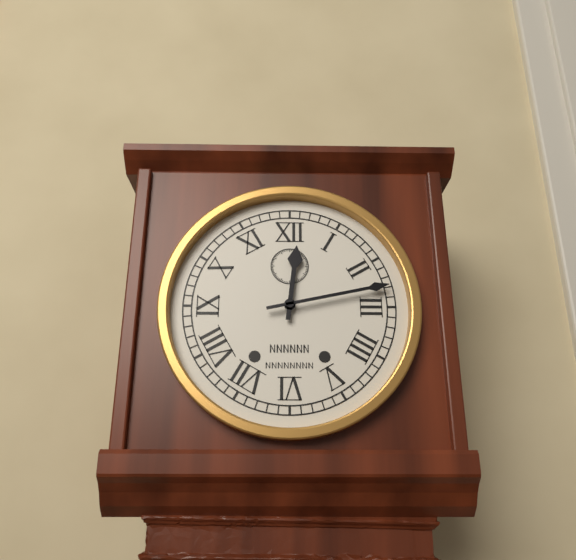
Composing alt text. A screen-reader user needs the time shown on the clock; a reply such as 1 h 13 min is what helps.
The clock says 12 h 13 min
